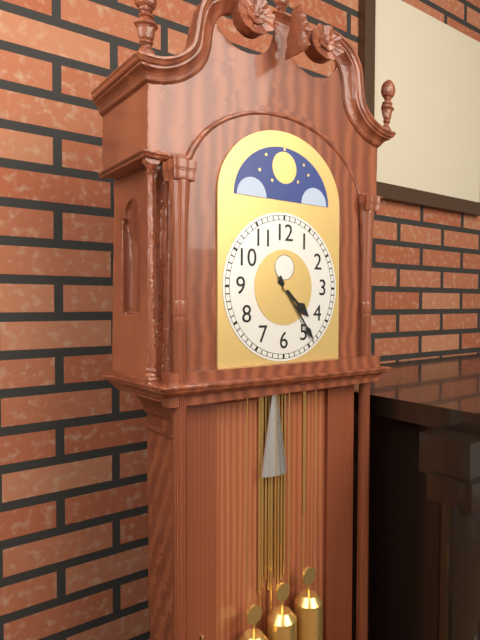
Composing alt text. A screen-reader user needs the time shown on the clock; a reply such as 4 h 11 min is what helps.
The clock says 4 h 24 min
